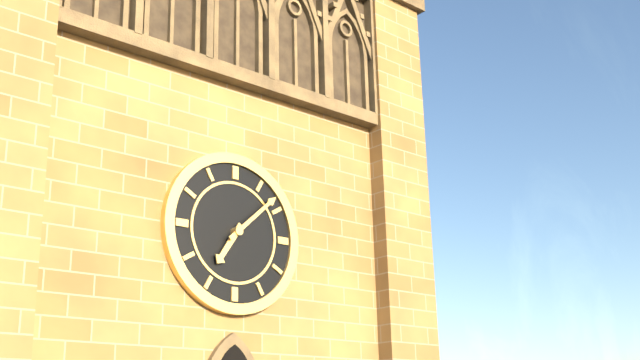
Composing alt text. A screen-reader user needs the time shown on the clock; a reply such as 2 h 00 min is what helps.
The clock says 7 h 08 min
